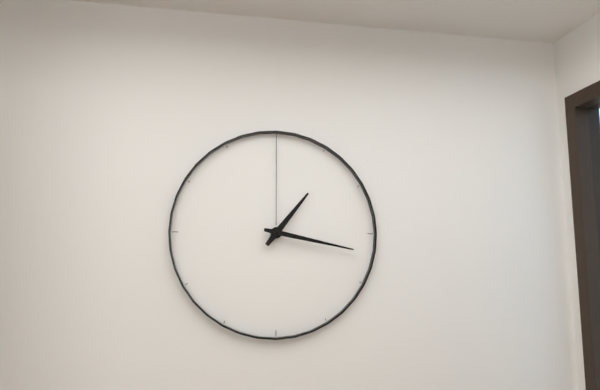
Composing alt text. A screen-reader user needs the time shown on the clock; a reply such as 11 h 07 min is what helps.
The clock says 1 h 17 min
